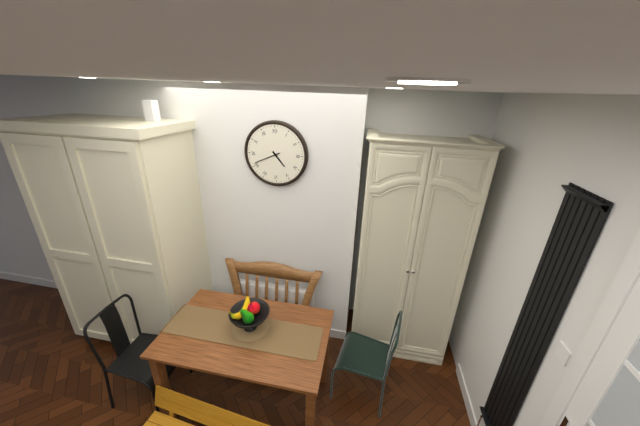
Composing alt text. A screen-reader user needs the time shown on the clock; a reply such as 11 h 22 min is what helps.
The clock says 4 h 41 min
